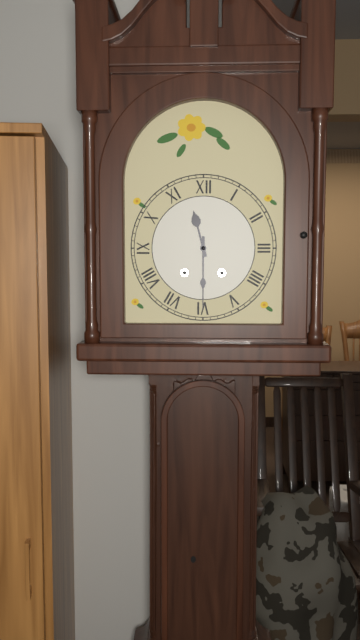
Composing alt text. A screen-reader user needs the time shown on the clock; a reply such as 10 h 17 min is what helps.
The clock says 11 h 30 min
